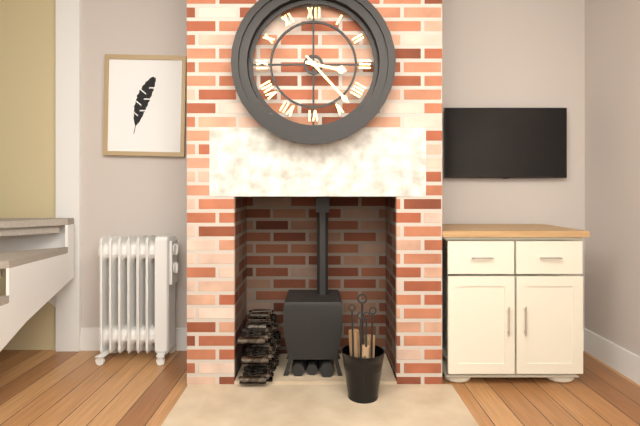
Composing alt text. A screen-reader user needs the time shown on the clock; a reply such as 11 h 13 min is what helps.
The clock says 3 h 23 min
